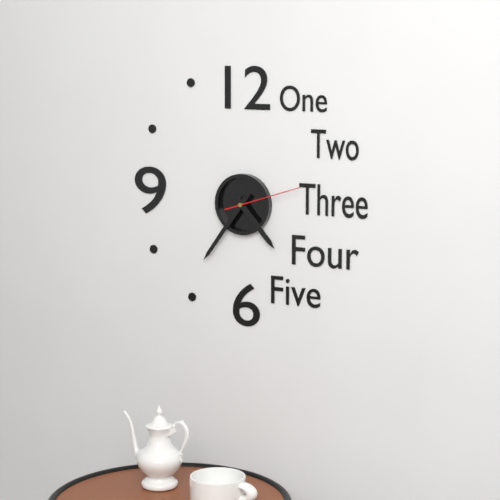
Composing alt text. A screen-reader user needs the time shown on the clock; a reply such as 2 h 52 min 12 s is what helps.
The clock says 4 h 36 min 12 s
